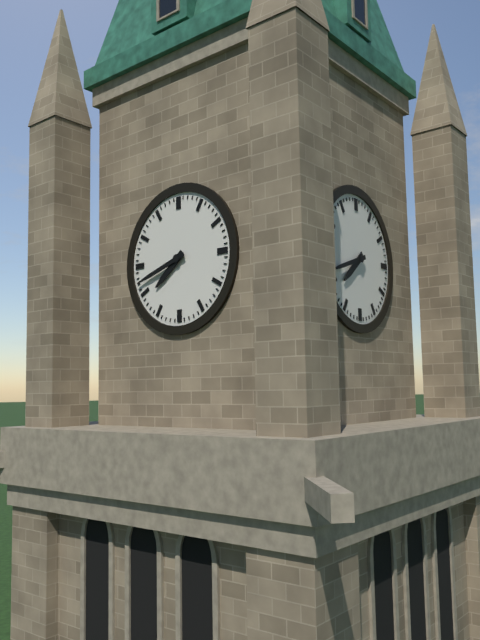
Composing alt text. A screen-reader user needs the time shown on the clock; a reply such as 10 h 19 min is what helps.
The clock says 7 h 42 min
